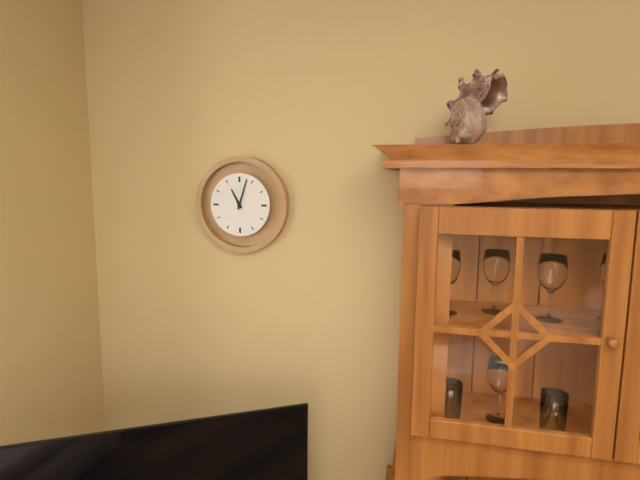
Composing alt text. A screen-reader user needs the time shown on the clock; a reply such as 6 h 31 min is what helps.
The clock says 11 h 03 min
